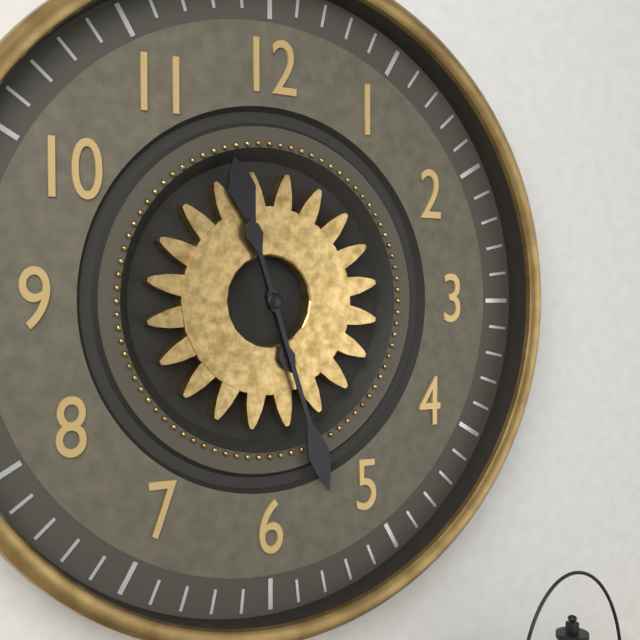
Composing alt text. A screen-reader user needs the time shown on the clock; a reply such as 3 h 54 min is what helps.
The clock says 11 h 27 min
